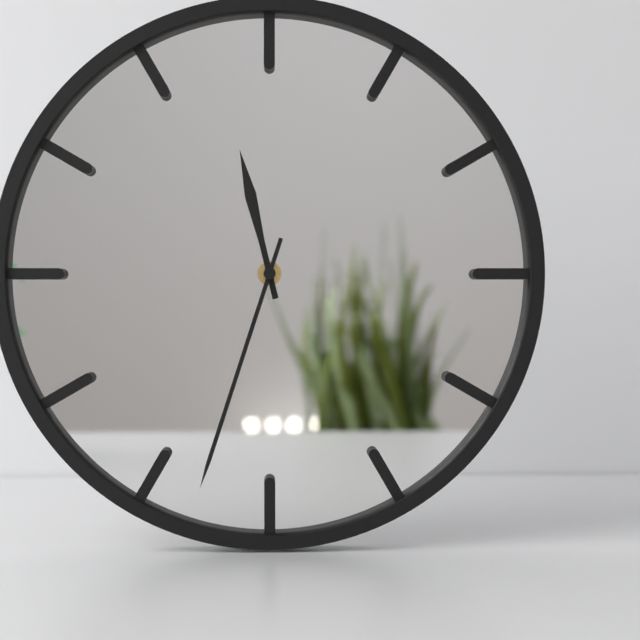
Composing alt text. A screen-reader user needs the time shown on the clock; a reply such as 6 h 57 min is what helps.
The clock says 11 h 33 min
